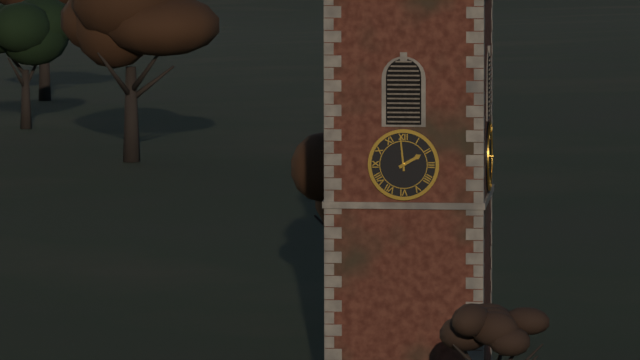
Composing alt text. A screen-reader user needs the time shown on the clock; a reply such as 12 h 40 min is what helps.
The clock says 1 h 59 min
